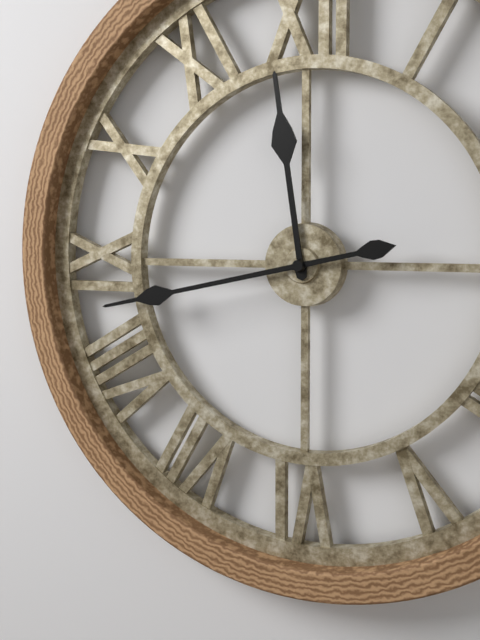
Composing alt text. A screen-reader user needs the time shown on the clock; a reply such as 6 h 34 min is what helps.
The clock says 11 h 43 min
